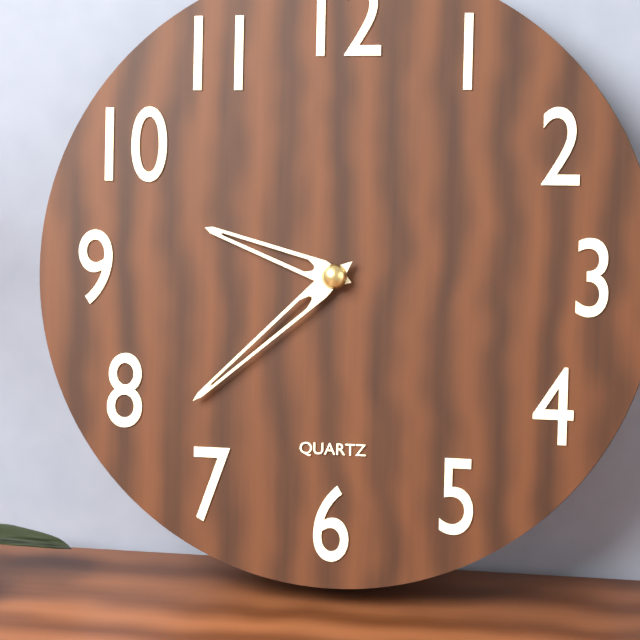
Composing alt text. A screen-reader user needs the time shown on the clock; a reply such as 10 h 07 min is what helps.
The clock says 9 h 38 min
